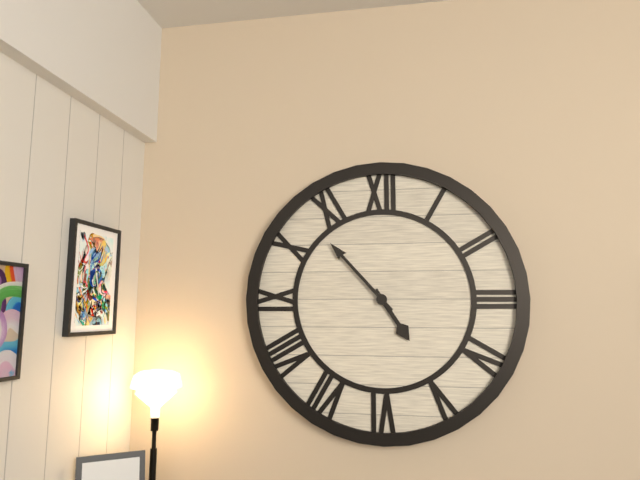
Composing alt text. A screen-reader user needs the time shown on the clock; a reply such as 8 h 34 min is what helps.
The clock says 4 h 53 min
